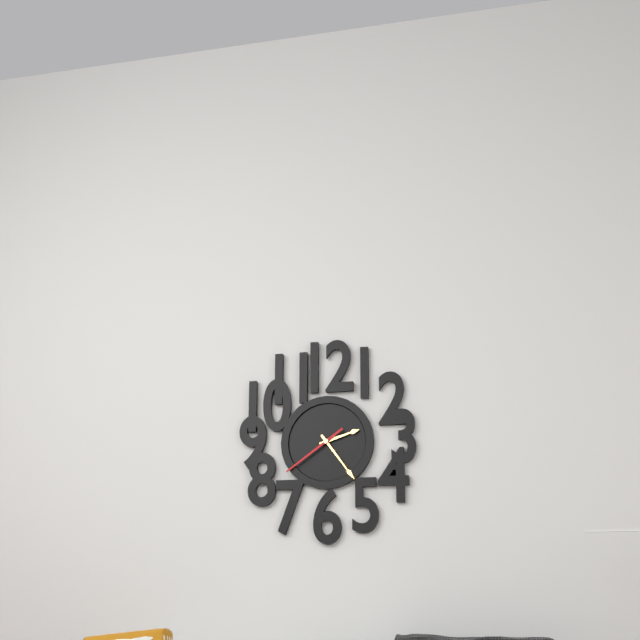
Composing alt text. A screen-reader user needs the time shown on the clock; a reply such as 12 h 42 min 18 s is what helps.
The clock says 2 h 24 min 39 s
